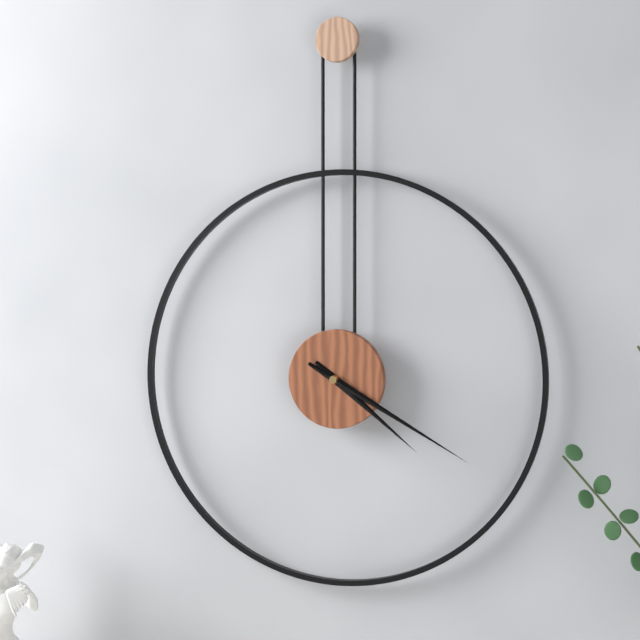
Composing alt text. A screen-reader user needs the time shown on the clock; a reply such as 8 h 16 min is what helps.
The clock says 4 h 20 min
